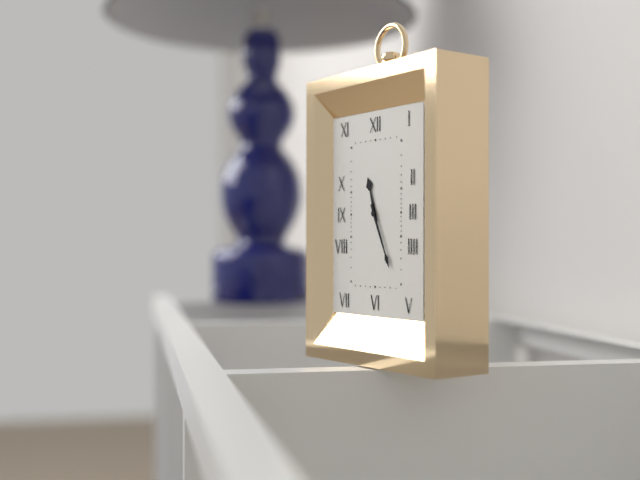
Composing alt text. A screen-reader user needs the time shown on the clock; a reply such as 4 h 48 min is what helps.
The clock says 11 h 26 min
